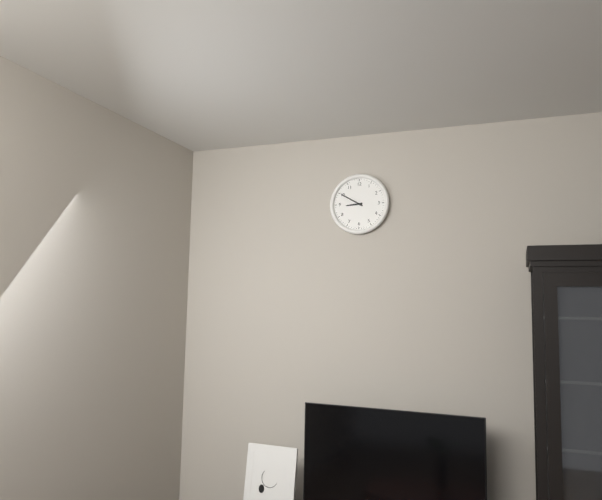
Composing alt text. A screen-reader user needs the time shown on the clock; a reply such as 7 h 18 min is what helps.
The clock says 8 h 50 min
